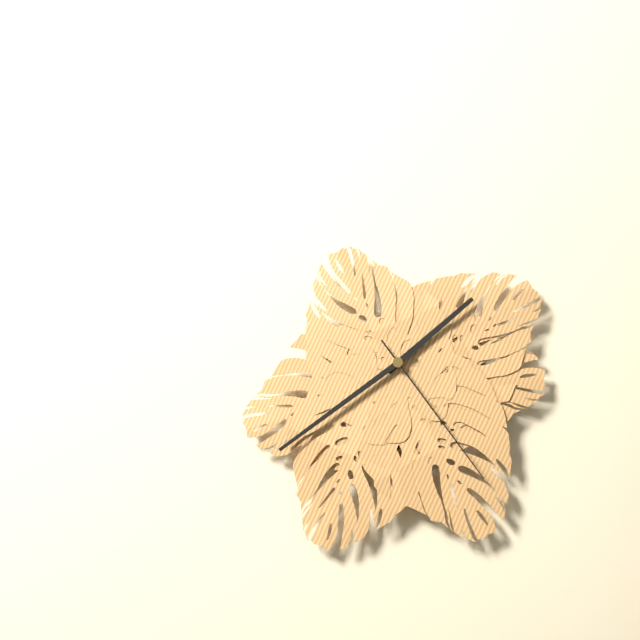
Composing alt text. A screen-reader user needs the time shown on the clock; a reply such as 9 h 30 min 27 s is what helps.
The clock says 1 h 39 min 24 s
